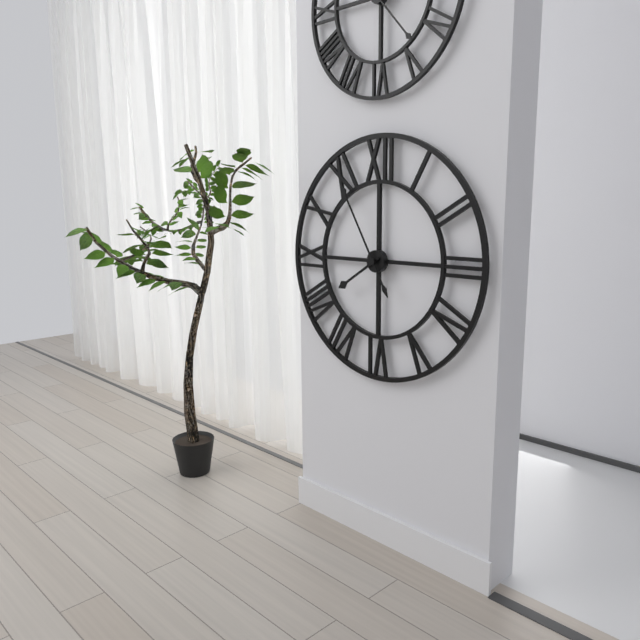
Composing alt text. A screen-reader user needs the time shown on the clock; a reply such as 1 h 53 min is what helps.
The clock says 7 h 55 min
